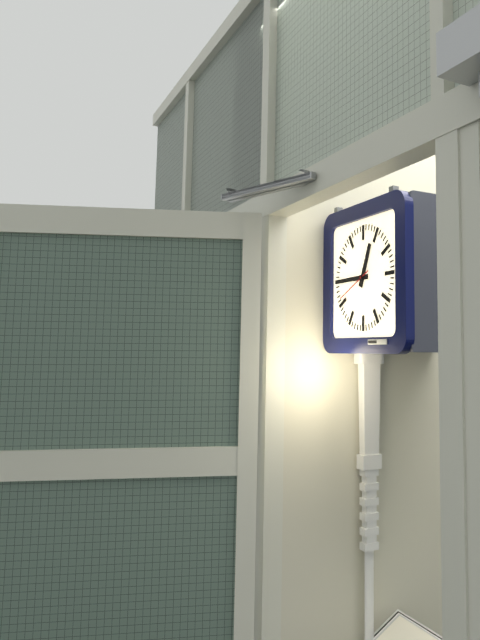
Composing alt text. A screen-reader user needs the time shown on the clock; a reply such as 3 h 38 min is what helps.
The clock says 12 h 45 min
